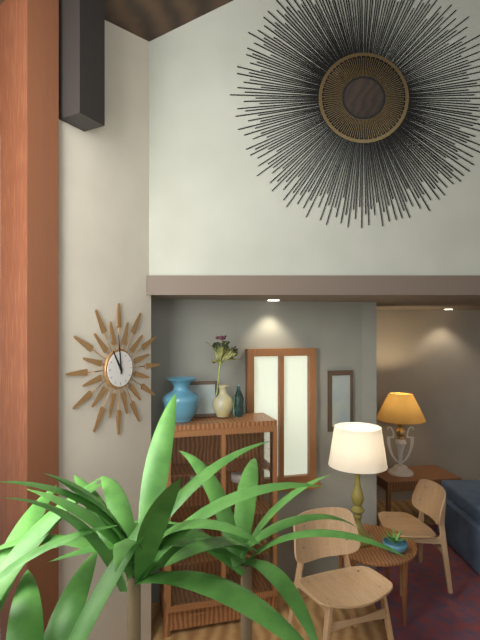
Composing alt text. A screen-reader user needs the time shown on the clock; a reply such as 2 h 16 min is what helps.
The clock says 10 h 59 min
